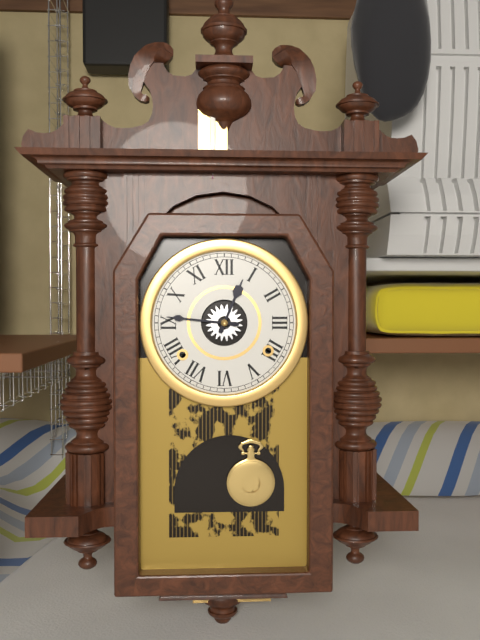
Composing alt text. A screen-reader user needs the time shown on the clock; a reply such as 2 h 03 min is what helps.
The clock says 12 h 46 min
